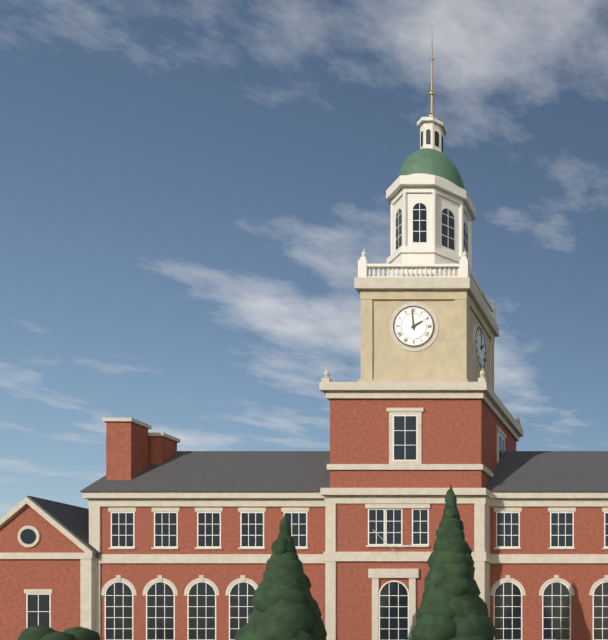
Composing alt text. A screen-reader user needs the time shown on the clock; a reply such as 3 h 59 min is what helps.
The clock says 1 h 59 min
